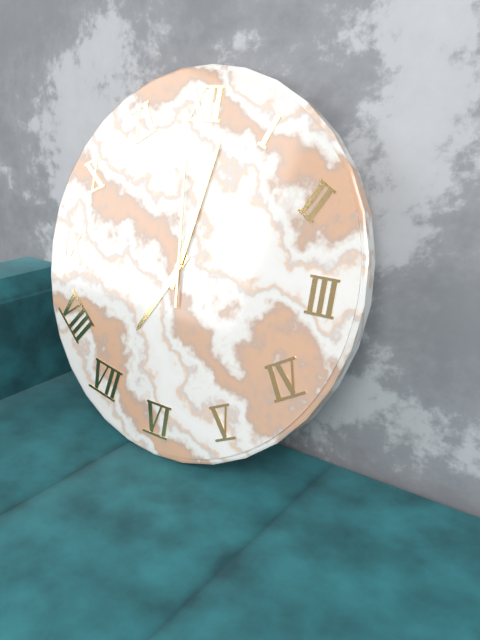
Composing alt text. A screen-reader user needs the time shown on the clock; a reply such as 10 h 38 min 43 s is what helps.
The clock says 7 h 02 min 59 s
